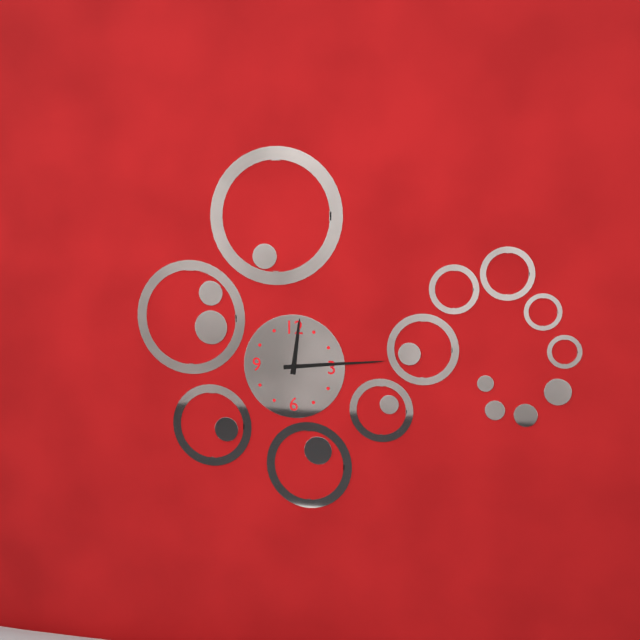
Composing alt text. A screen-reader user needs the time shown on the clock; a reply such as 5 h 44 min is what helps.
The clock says 12 h 14 min
